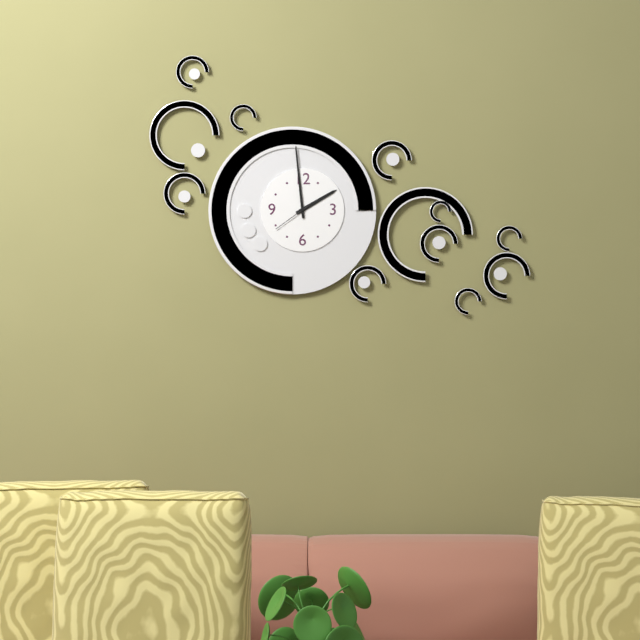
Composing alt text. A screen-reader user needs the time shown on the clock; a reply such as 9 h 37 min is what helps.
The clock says 1 h 59 min
